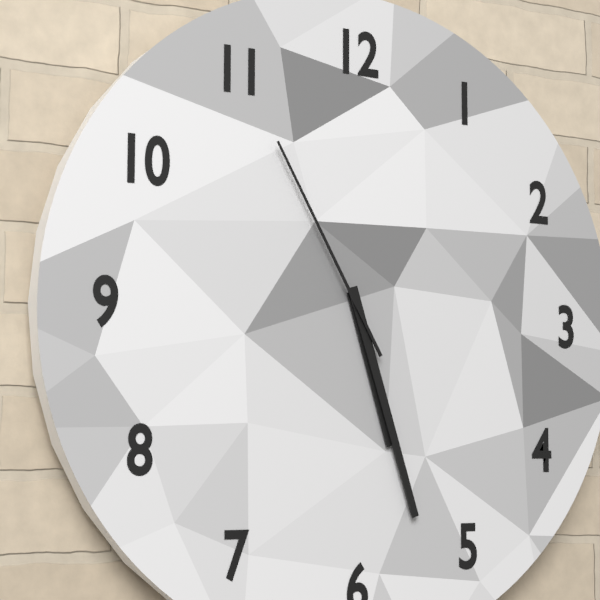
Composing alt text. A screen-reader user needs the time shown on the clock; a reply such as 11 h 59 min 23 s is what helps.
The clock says 5 h 27 min 55 s
